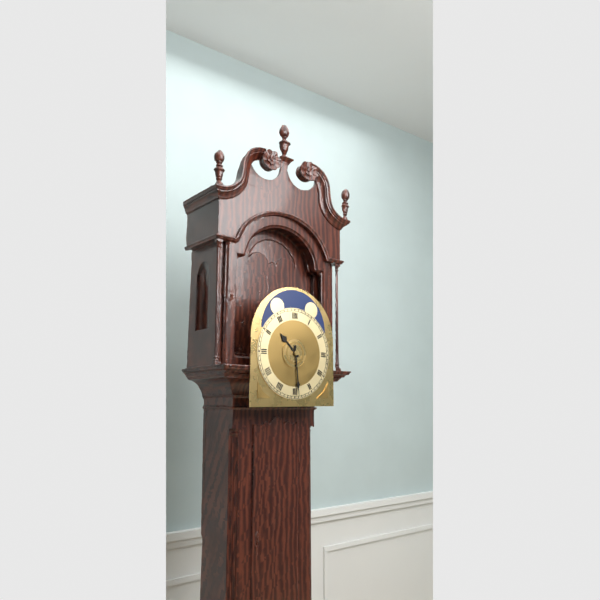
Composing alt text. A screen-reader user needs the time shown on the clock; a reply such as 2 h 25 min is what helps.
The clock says 10 h 29 min
